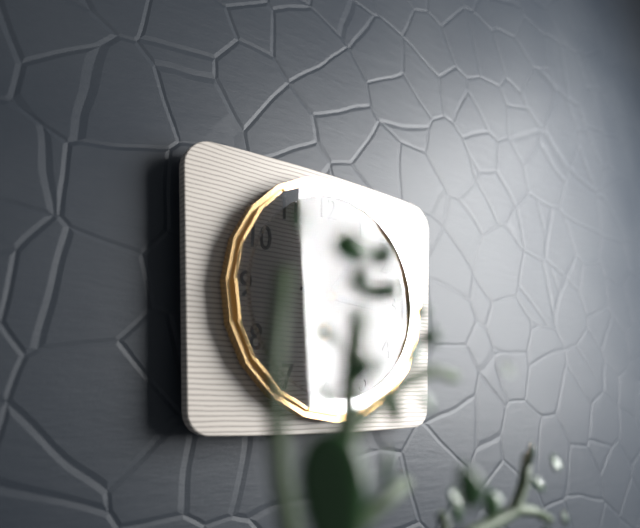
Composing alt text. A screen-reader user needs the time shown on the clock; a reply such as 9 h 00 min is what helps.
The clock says 1 h 16 min
